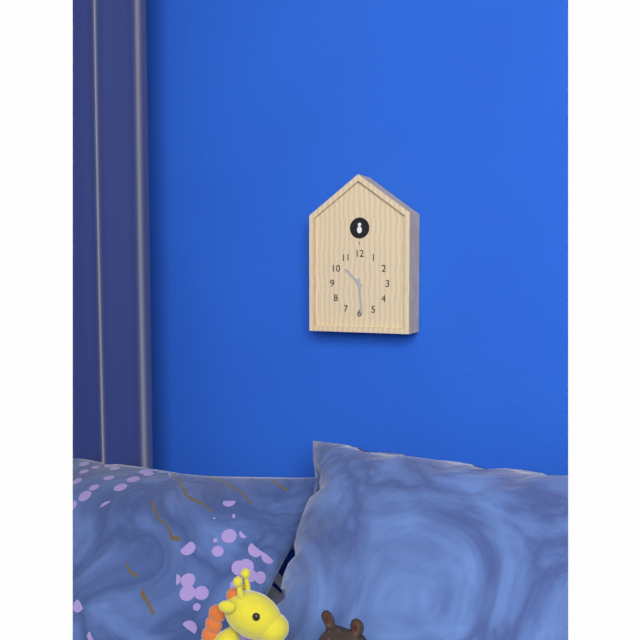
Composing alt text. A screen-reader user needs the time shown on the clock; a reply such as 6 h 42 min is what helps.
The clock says 10 h 29 min
